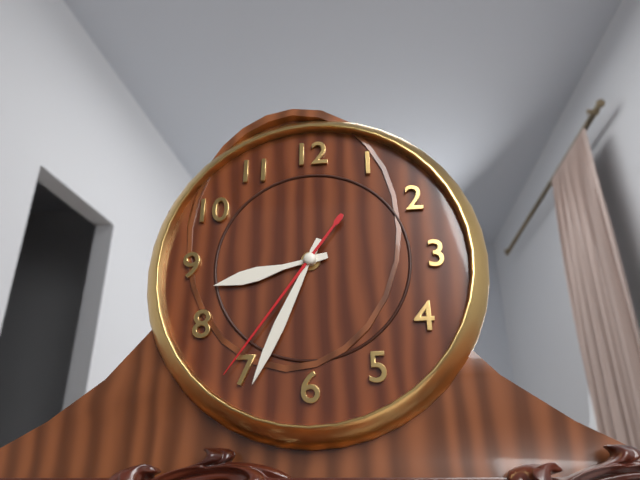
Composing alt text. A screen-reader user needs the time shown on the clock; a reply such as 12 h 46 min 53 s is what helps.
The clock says 8 h 34 min 36 s
